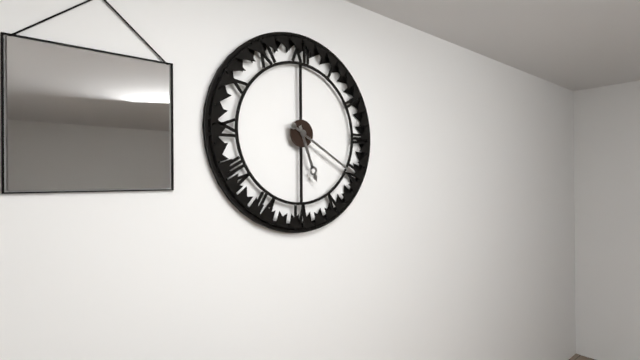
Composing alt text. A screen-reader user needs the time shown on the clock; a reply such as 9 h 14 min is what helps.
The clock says 5 h 20 min
